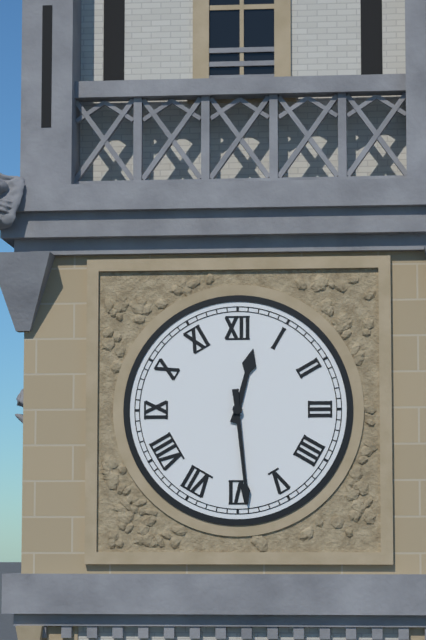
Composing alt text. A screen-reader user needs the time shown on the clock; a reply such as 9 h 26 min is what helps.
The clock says 12 h 29 min
